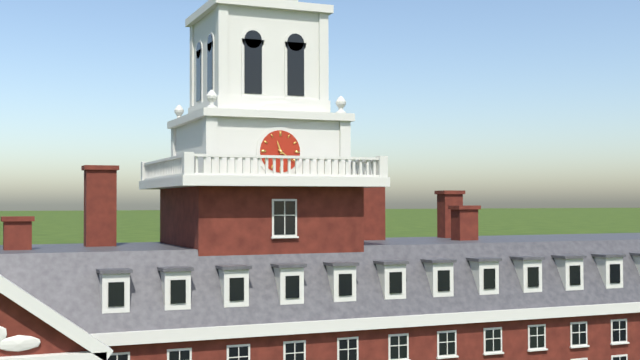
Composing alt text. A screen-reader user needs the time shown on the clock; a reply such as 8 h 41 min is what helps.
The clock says 11 h 21 min
